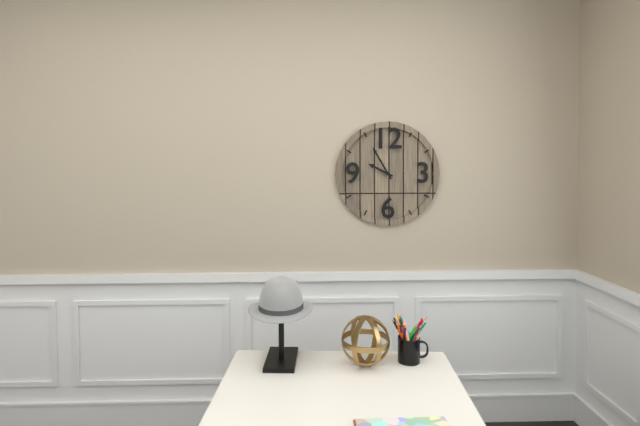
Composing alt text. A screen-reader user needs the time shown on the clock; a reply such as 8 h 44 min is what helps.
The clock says 9 h 55 min
